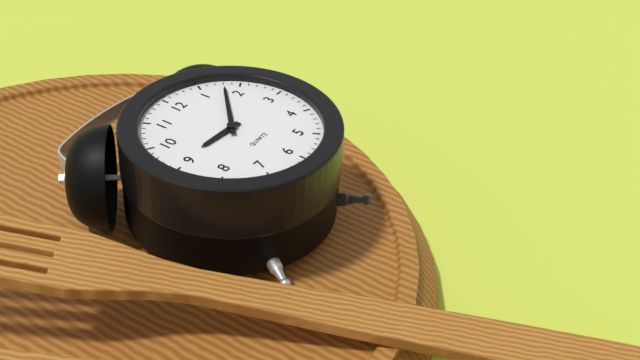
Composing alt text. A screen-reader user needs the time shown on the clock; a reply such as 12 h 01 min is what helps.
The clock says 9 h 08 min
